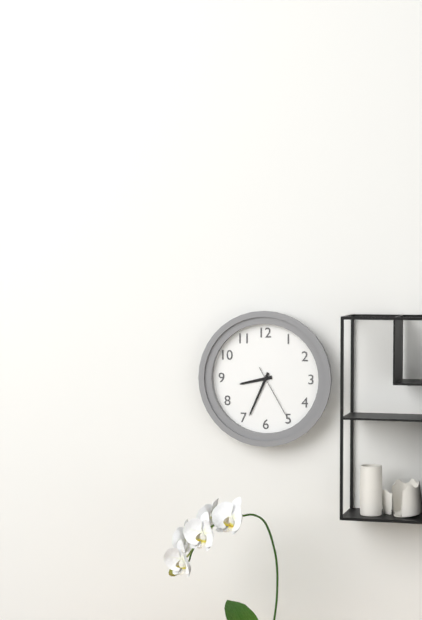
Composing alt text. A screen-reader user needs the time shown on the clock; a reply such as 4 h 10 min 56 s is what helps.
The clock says 8 h 34 min 25 s
